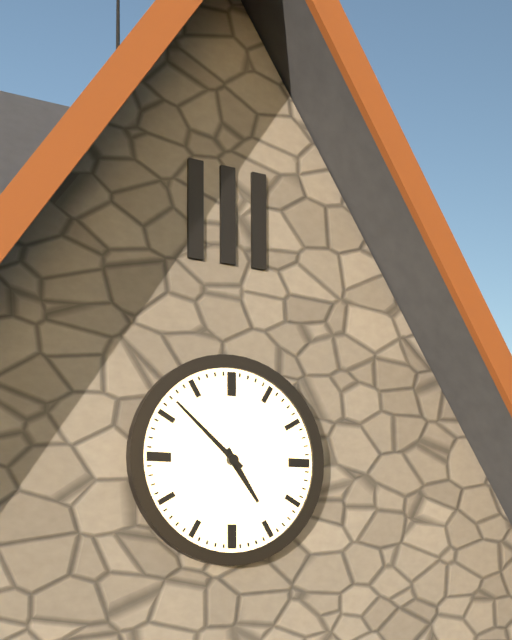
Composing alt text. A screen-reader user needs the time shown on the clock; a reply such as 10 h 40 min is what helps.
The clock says 4 h 52 min
